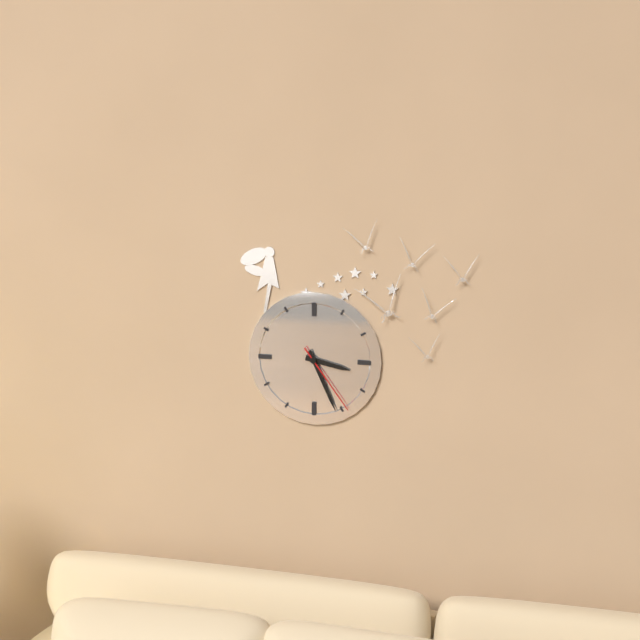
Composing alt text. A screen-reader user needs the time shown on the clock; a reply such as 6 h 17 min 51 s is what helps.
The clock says 3 h 26 min 24 s
